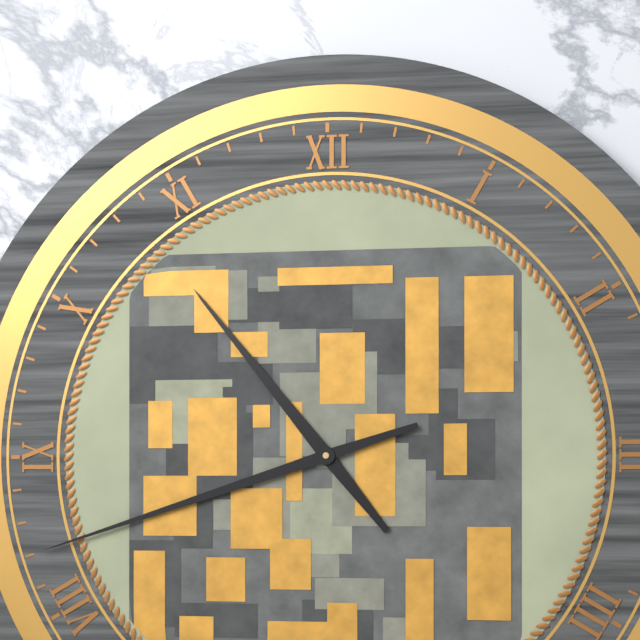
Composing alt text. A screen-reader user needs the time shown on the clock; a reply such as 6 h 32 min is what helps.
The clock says 10 h 42 min
